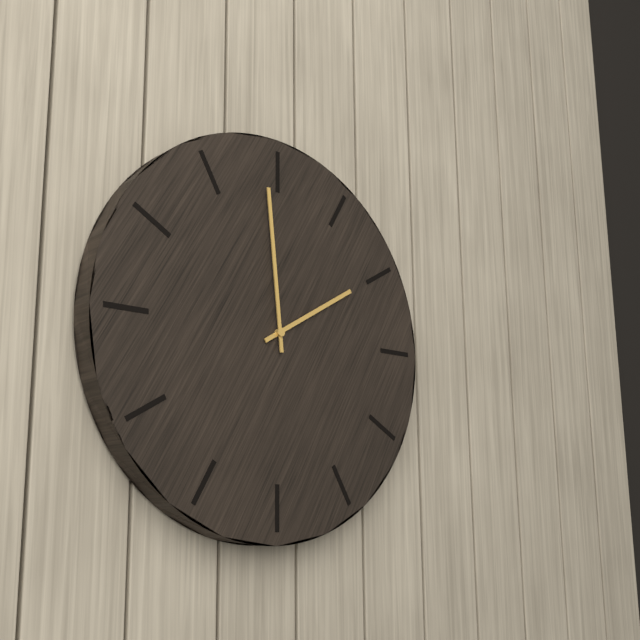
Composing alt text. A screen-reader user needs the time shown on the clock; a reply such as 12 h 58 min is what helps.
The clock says 1 h 59 min
